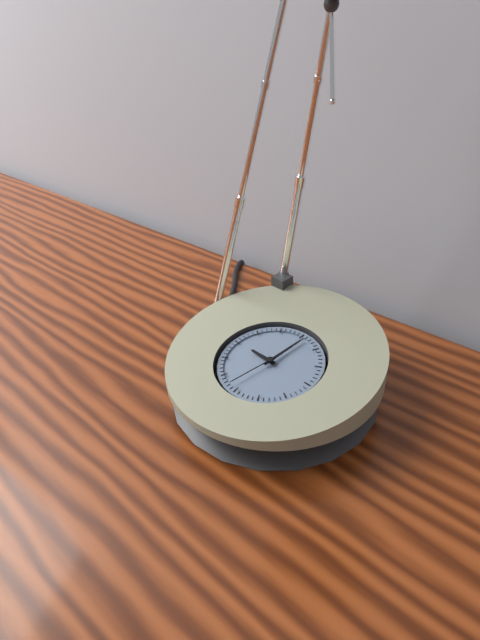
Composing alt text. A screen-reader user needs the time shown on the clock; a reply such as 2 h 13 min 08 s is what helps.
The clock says 9 h 01 min 32 s
